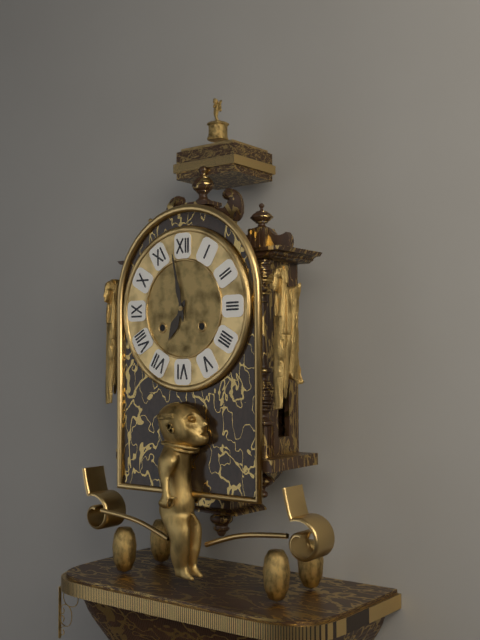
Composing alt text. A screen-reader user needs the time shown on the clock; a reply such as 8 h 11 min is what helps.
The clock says 6 h 58 min
